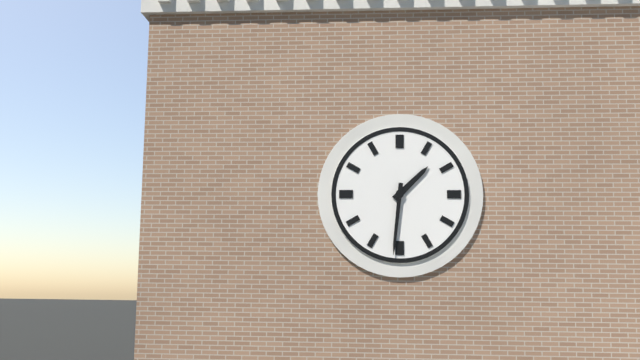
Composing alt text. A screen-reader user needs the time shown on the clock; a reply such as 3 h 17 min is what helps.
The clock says 1 h 31 min
